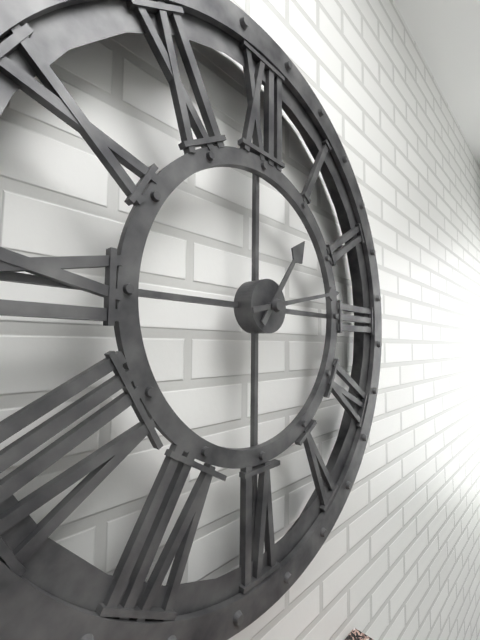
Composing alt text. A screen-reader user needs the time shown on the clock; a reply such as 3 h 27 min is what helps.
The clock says 1 h 13 min
